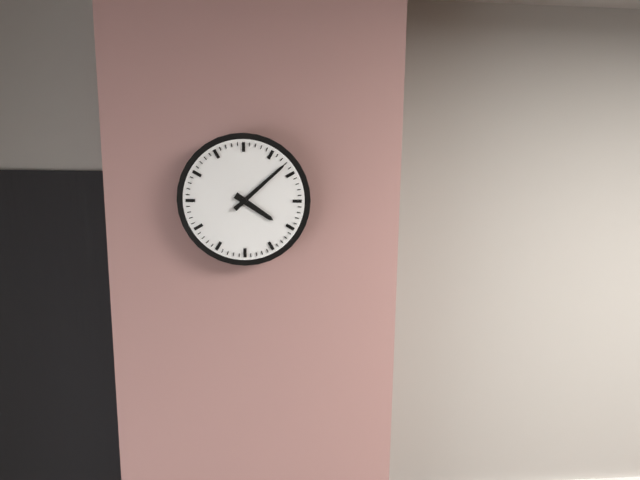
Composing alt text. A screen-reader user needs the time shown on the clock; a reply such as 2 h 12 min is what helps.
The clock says 4 h 08 min
